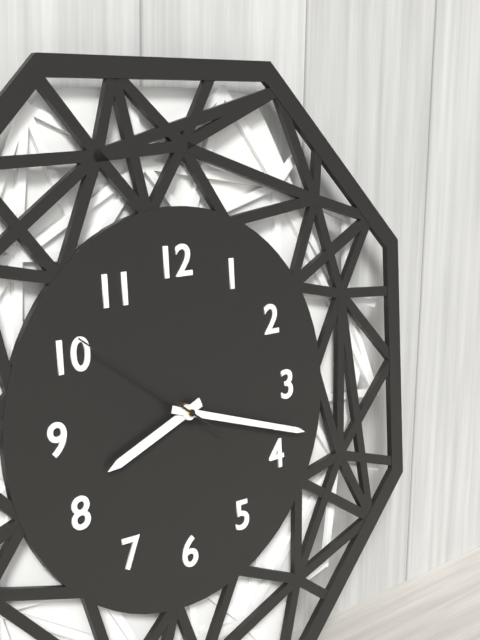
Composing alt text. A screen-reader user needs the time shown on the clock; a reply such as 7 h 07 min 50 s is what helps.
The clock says 8 h 18 min 51 s
